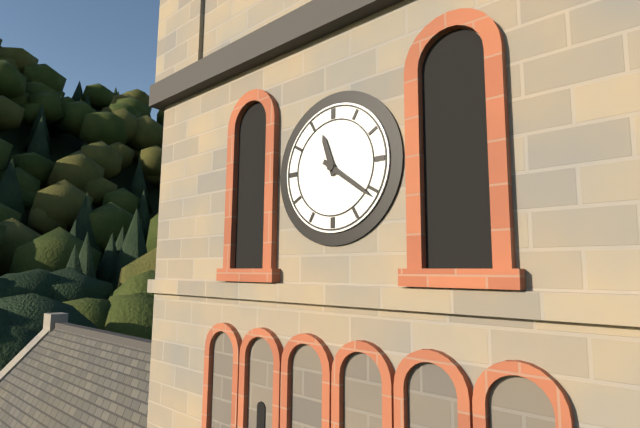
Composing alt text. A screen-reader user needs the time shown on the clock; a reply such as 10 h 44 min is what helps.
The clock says 11 h 21 min
